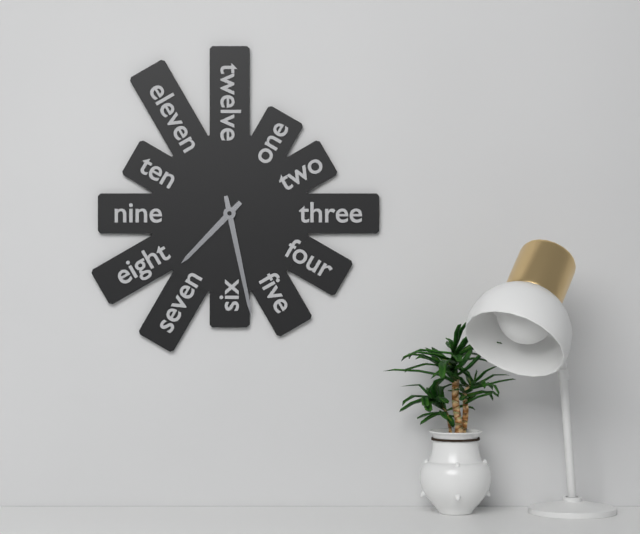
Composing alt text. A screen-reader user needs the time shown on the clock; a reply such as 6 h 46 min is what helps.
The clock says 7 h 28 min
